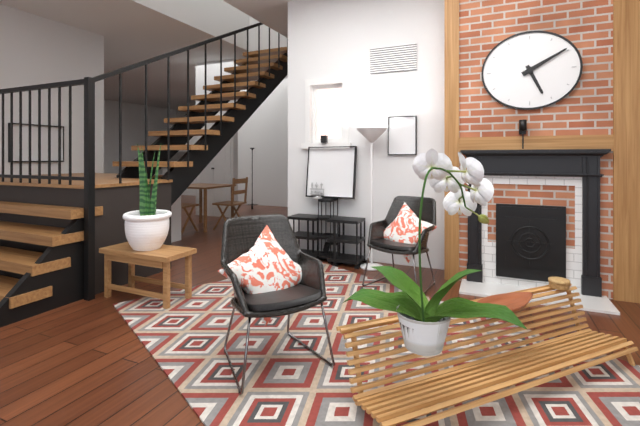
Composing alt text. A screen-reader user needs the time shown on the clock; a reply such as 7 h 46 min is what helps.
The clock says 5 h 10 min
